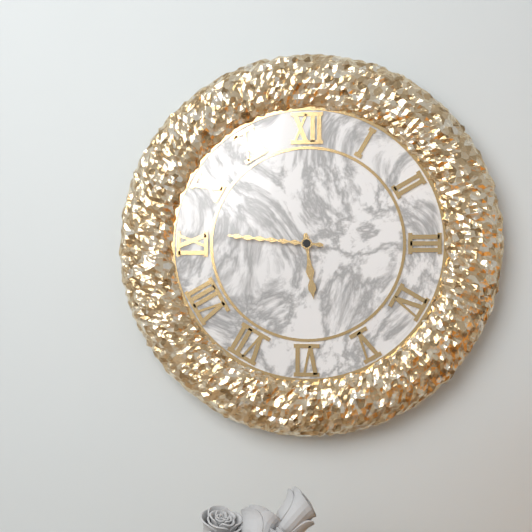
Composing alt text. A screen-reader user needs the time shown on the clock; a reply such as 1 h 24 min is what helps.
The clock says 5 h 46 min
